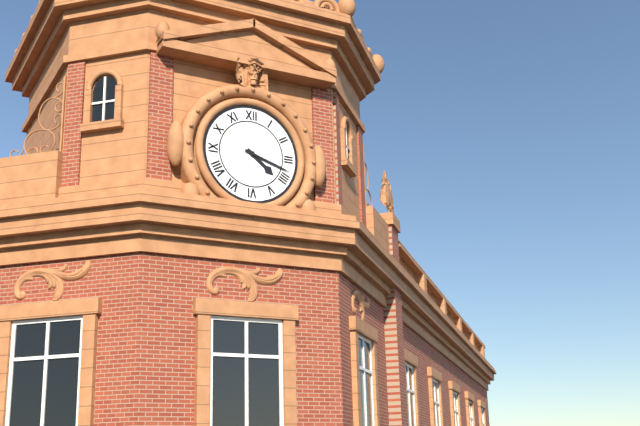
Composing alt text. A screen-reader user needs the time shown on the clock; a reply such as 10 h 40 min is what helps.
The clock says 4 h 18 min
